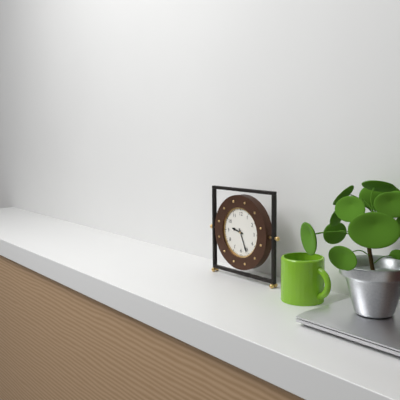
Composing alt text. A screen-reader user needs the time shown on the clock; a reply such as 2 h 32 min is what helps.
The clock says 9 h 26 min
